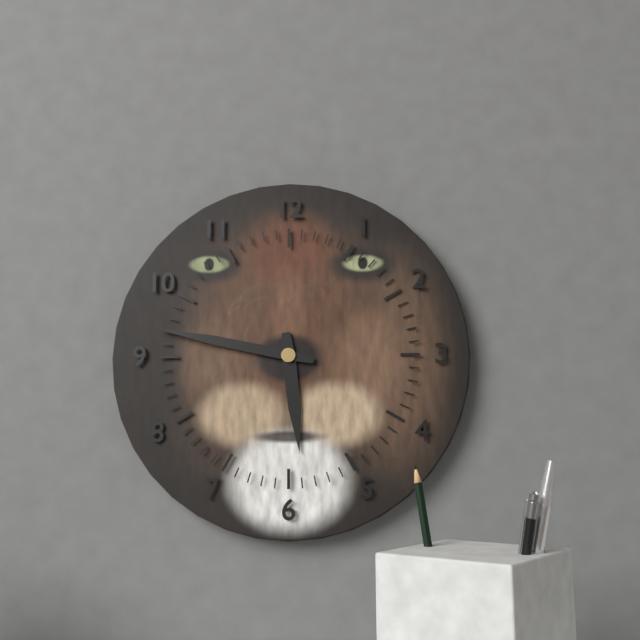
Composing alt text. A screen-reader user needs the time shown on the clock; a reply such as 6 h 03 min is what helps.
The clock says 5 h 47 min
